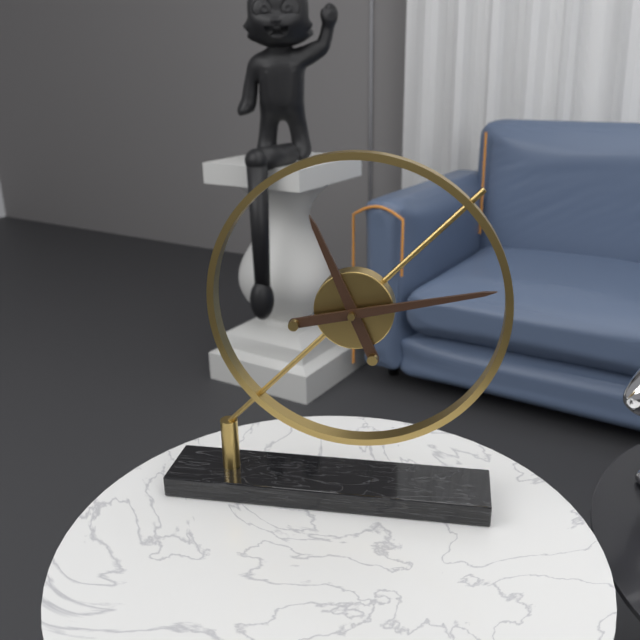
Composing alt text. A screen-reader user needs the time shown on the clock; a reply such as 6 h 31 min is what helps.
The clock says 11 h 13 min
